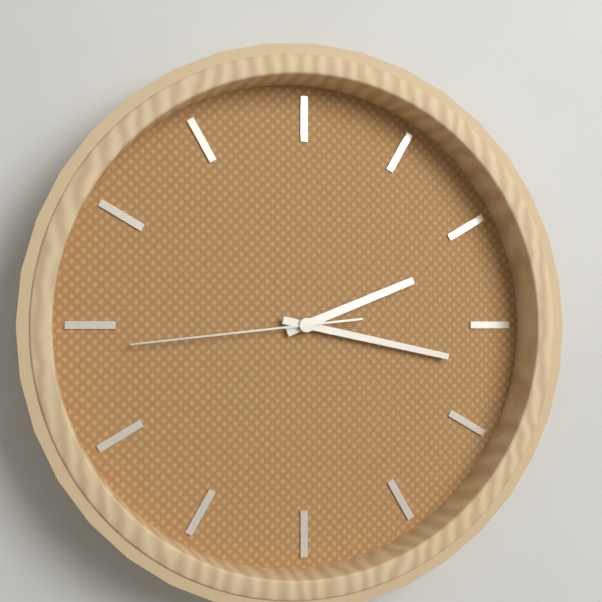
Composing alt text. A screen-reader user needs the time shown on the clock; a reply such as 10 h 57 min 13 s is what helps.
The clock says 2 h 17 min 44 s
